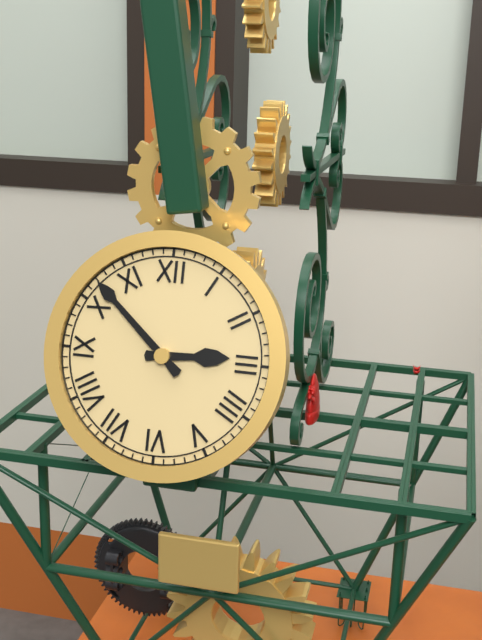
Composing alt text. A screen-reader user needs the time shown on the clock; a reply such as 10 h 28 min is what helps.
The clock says 2 h 52 min
